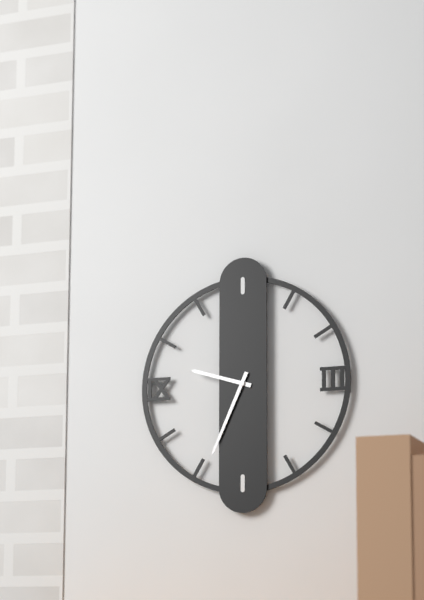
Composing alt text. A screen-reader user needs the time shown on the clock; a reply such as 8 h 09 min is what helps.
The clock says 9 h 34 min
